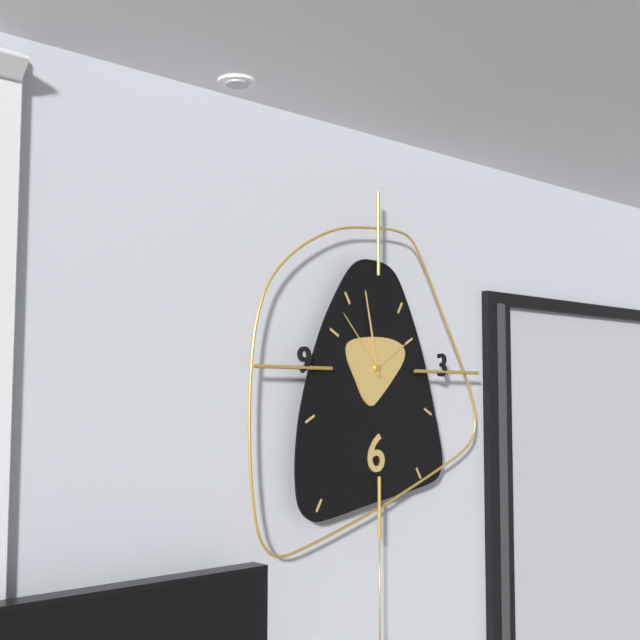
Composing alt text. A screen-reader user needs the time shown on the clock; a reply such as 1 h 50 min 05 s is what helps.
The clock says 1 h 58 min 53 s
